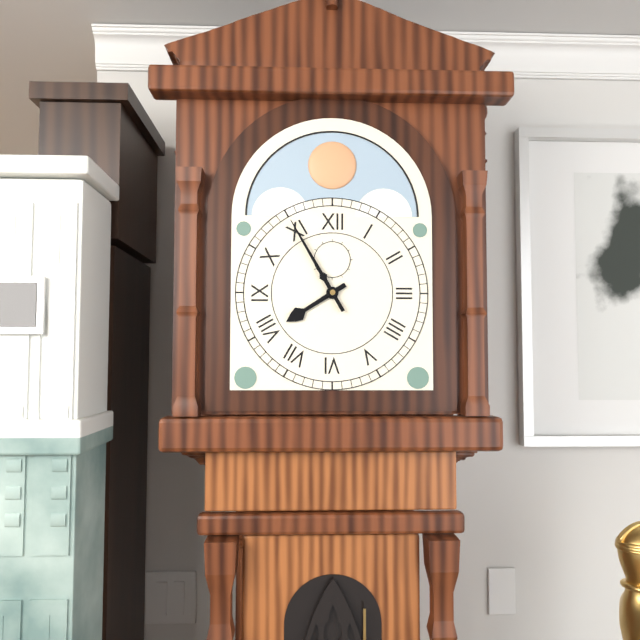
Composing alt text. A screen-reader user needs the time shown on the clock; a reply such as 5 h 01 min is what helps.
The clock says 7 h 55 min
